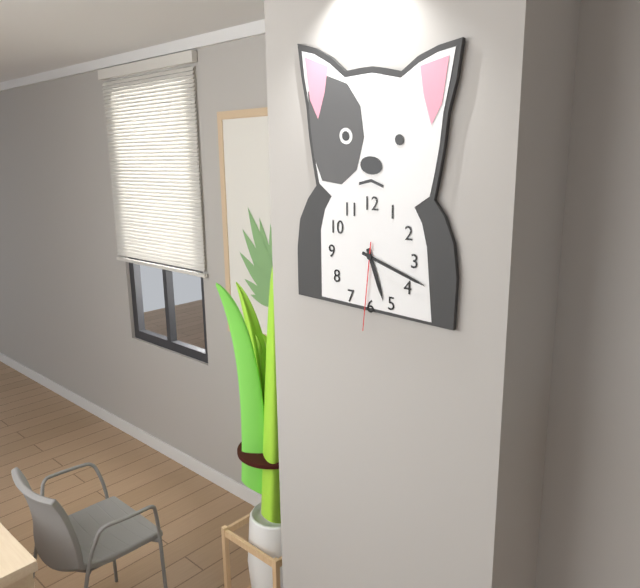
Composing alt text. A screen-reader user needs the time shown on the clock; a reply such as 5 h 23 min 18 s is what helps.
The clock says 5 h 18 min 31 s
